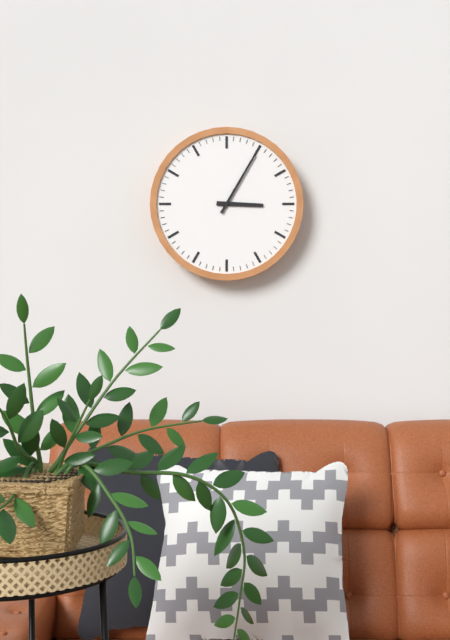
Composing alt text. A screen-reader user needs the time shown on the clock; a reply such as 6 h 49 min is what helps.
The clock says 3 h 05 min
